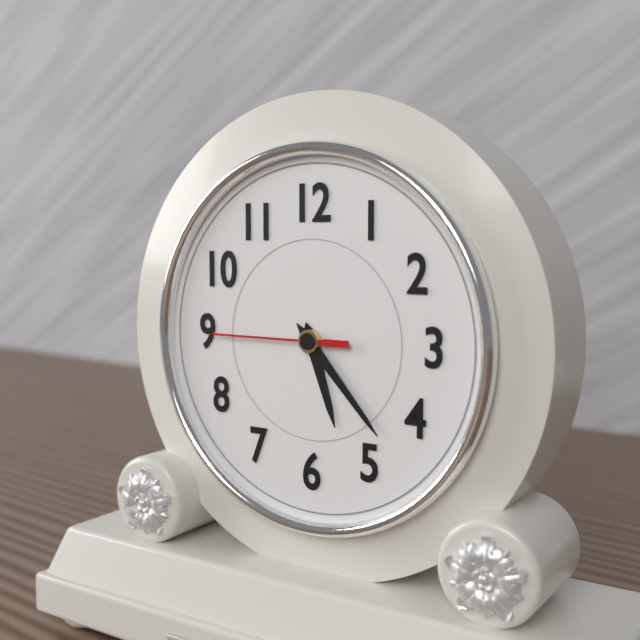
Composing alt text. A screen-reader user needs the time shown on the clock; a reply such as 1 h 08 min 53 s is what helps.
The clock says 5 h 23 min 45 s
